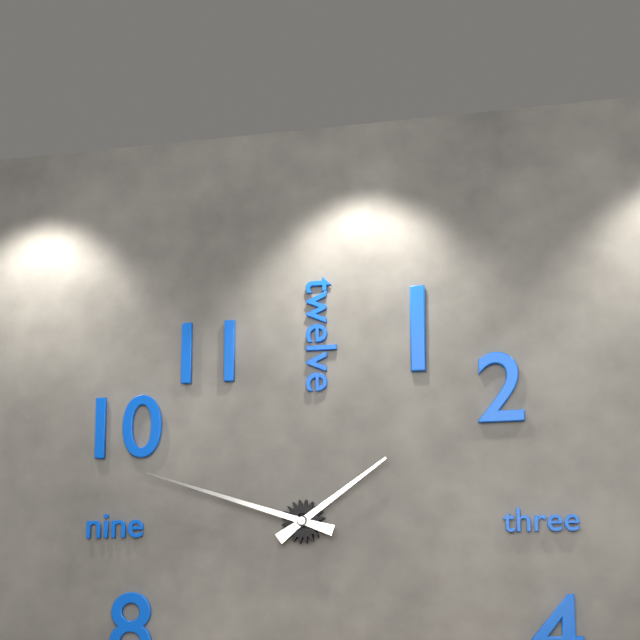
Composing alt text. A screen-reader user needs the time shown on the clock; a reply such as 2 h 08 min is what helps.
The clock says 1 h 48 min
